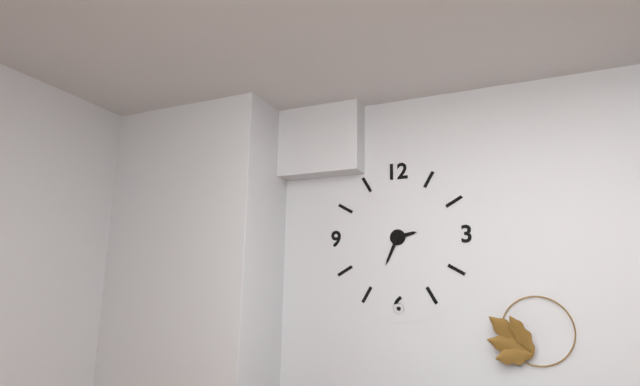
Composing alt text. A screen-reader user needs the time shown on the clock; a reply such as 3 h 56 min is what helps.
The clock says 2 h 34 min
